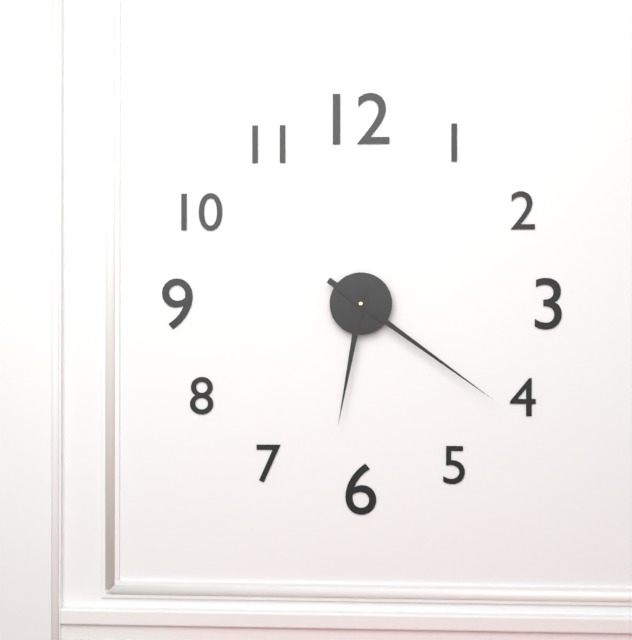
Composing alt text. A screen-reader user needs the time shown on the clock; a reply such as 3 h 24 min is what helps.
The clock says 6 h 21 min
